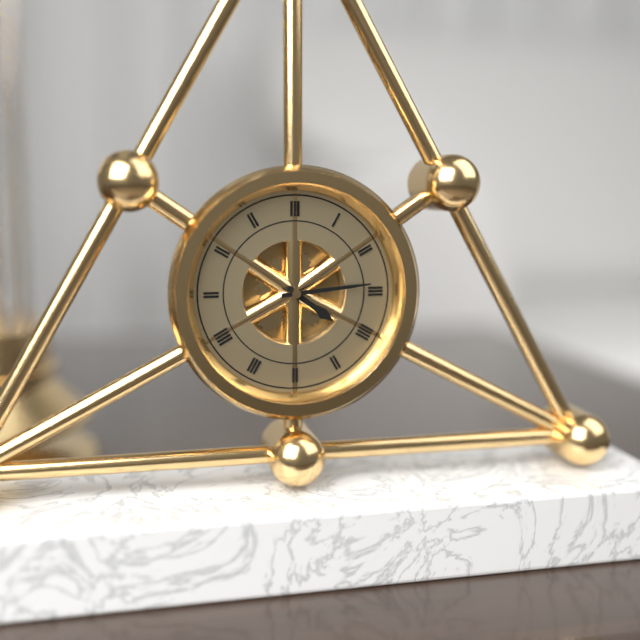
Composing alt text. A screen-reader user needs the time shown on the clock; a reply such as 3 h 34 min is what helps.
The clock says 4 h 14 min
